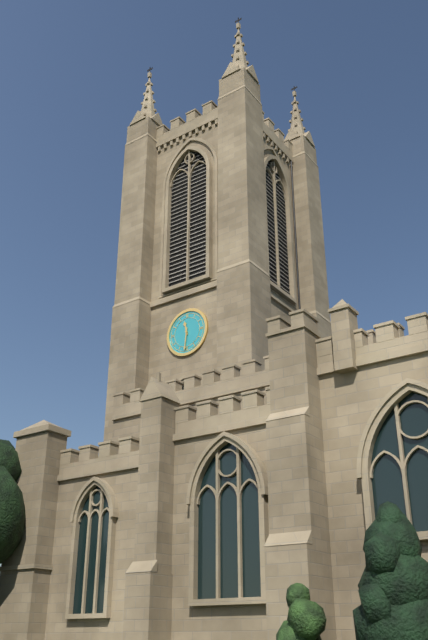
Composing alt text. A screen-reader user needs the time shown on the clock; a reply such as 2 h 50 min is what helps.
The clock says 11 h 31 min
